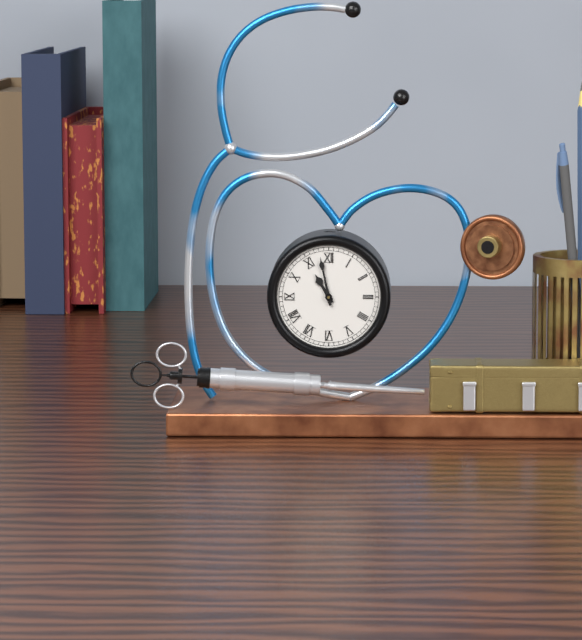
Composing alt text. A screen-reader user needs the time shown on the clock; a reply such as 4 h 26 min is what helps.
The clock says 10 h 58 min
